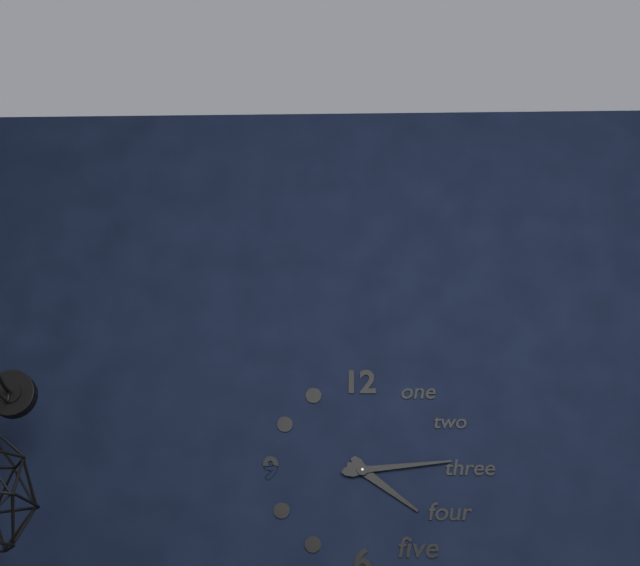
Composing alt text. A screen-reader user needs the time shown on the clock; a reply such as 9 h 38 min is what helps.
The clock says 4 h 14 min
